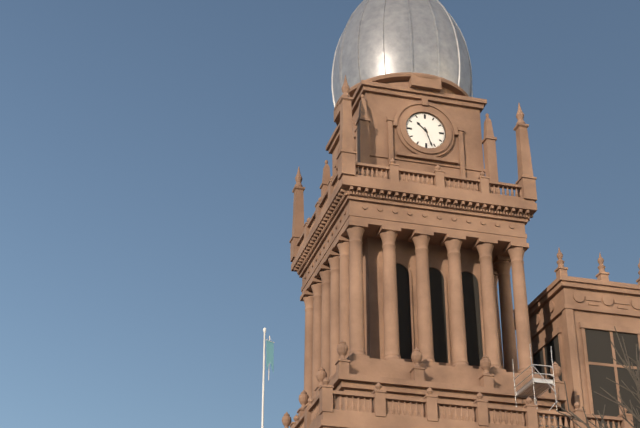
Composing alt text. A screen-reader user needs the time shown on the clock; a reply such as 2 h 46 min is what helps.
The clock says 10 h 27 min
